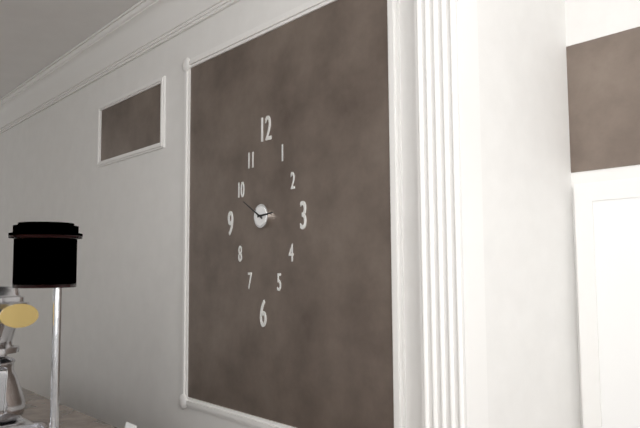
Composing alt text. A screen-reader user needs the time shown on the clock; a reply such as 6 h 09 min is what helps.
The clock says 2 h 50 min
